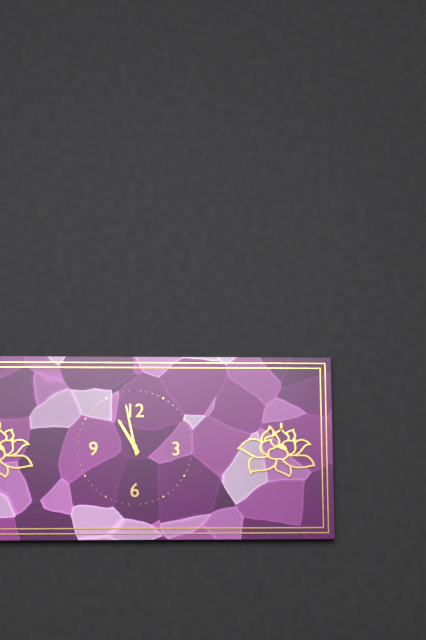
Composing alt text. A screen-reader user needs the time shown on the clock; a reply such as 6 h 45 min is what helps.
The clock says 10 h 58 min
